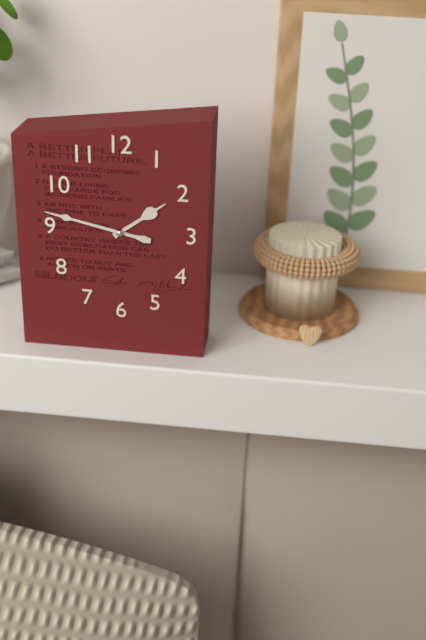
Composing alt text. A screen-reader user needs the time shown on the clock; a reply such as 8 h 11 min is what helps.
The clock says 1 h 47 min
